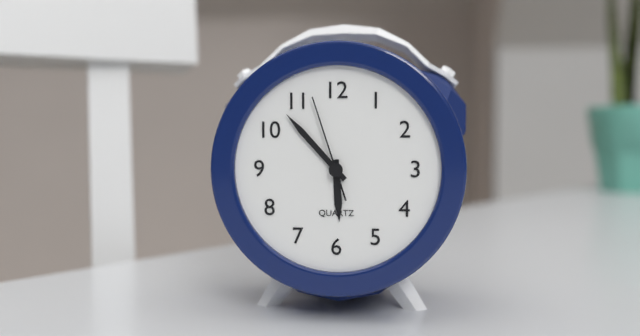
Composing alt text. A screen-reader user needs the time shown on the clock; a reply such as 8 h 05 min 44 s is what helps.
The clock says 5 h 53 min 57 s
